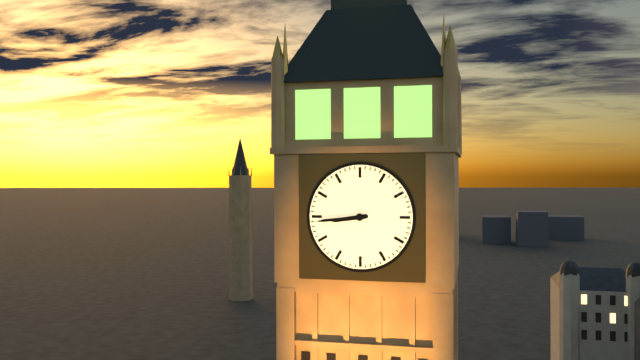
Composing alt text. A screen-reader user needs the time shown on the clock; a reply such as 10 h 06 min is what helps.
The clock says 8 h 44 min
